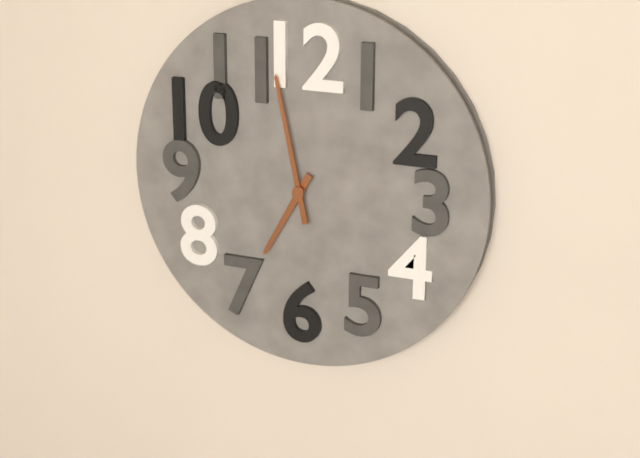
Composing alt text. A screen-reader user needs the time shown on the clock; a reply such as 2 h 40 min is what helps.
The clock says 6 h 58 min
